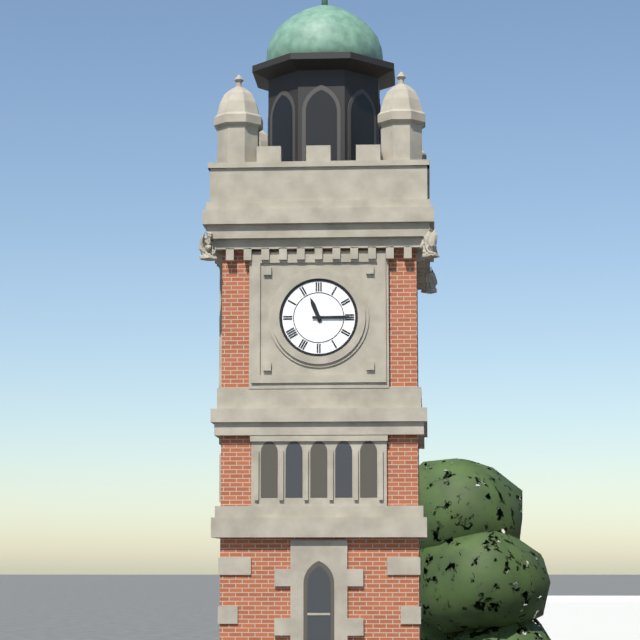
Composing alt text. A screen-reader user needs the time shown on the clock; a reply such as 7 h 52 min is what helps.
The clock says 11 h 15 min
